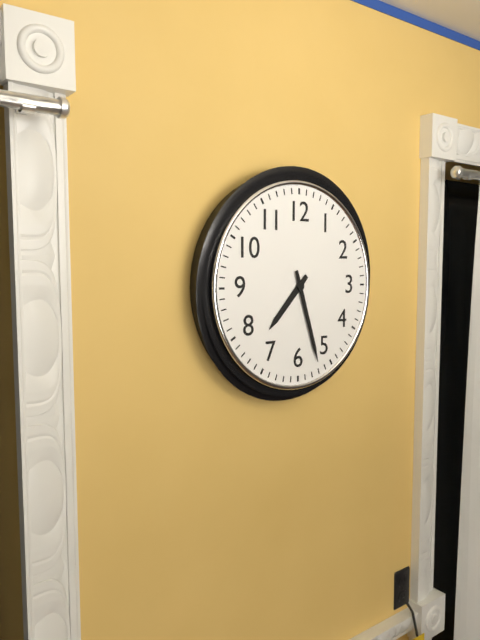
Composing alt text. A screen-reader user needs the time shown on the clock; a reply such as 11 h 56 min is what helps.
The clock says 7 h 27 min
